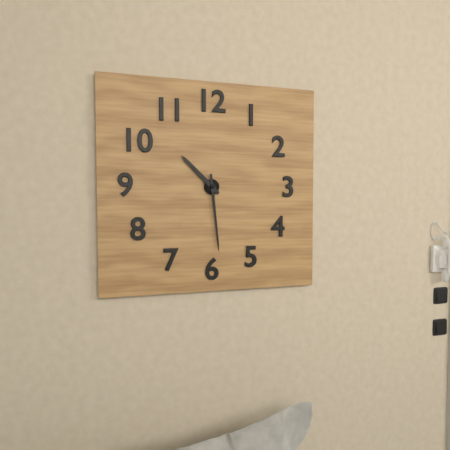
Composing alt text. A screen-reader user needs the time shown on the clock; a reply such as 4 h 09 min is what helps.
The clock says 10 h 29 min
